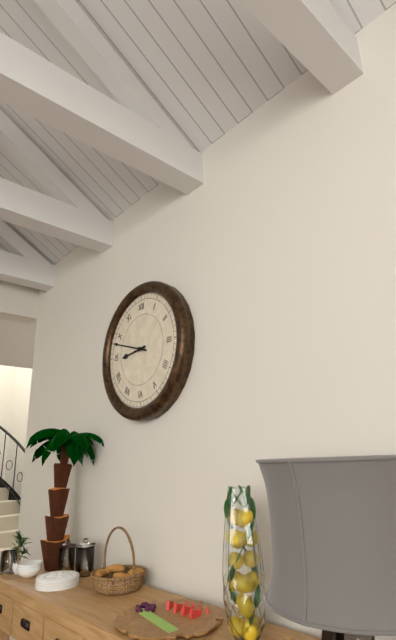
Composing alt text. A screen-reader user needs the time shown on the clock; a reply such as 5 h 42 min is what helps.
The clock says 8 h 48 min
